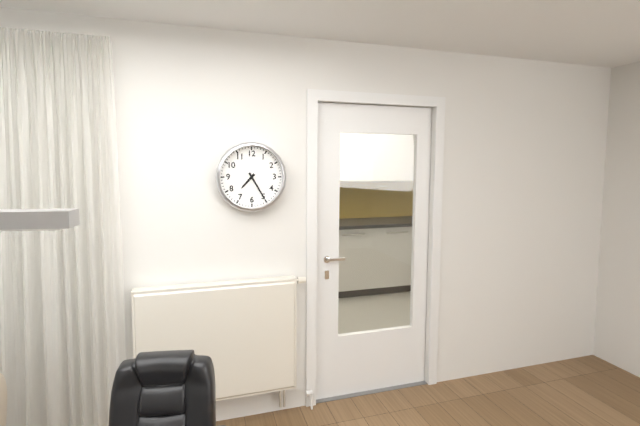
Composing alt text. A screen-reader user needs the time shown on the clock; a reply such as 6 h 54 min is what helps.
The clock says 7 h 25 min
